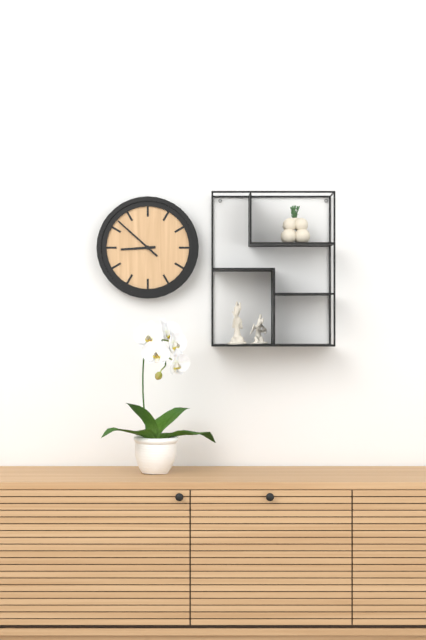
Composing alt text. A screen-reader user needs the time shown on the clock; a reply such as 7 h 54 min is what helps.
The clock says 8 h 52 min
